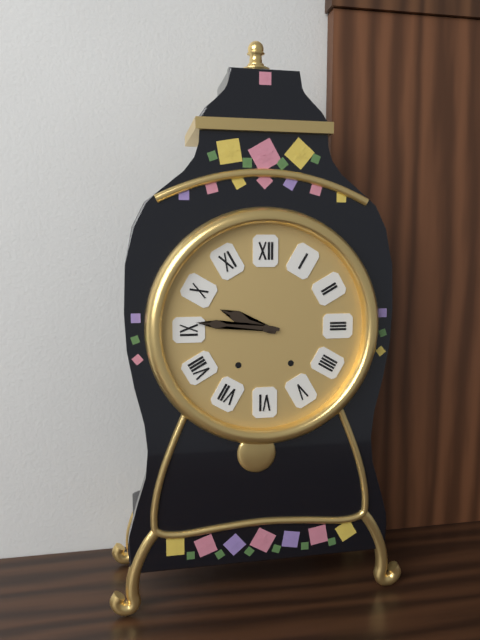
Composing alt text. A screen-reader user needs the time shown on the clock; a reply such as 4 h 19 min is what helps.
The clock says 9 h 46 min
